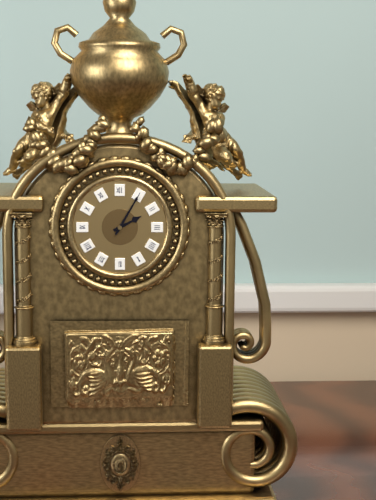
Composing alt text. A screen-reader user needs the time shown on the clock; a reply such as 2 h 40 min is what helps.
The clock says 2 h 05 min
